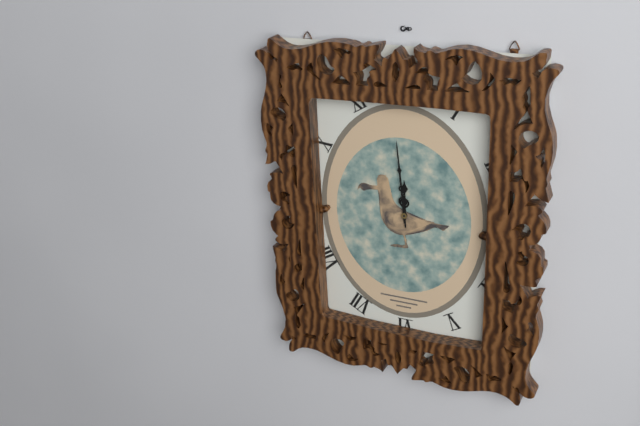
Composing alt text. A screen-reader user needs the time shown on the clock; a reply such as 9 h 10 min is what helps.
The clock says 11 h 59 min
